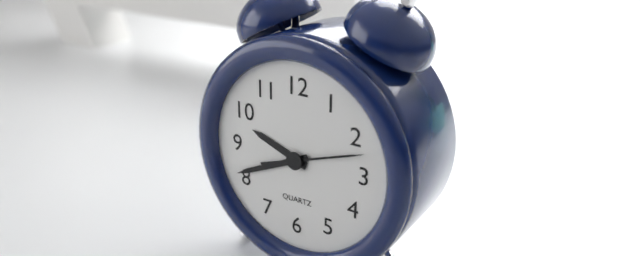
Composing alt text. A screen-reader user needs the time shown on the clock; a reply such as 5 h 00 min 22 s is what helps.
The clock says 9 h 41 min 12 s
